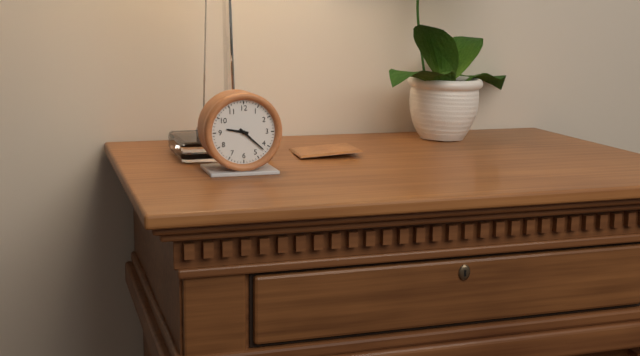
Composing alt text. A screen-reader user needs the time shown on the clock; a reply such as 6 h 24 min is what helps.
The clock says 9 h 22 min
